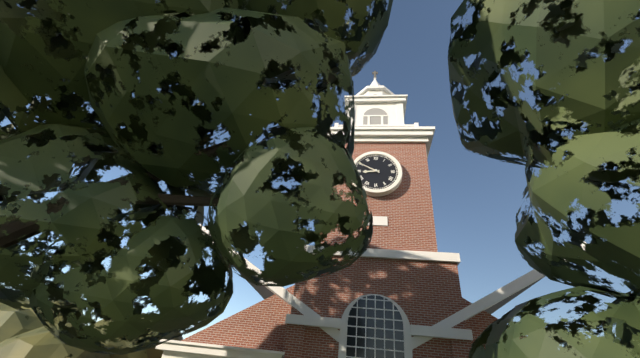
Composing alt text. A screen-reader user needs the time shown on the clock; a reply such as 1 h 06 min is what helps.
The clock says 8 h 50 min
